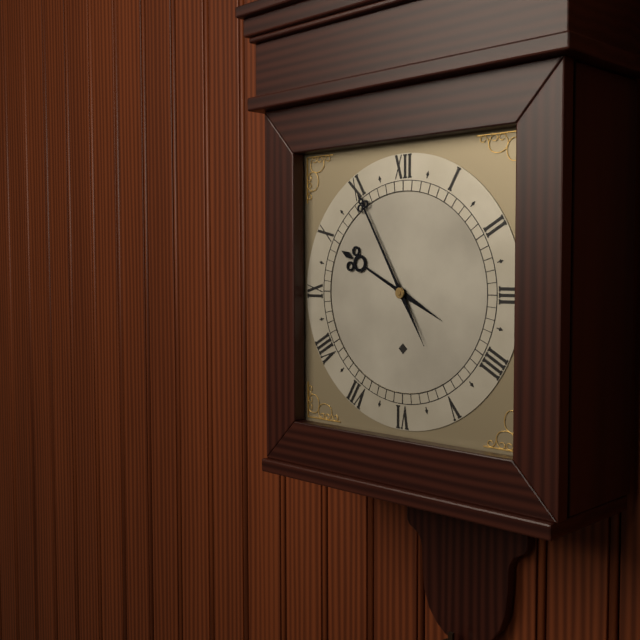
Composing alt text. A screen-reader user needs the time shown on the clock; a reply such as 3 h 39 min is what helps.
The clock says 9 h 55 min
